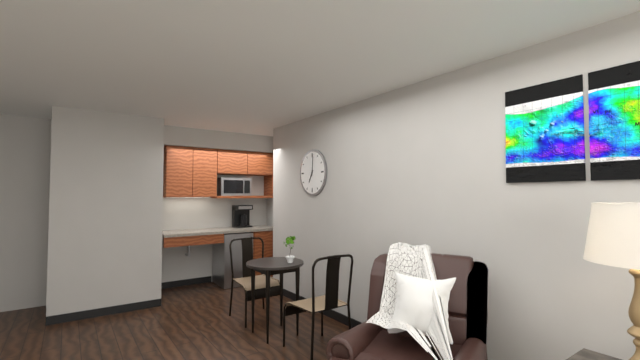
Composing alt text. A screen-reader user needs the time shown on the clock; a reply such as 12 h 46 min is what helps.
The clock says 7 h 01 min
